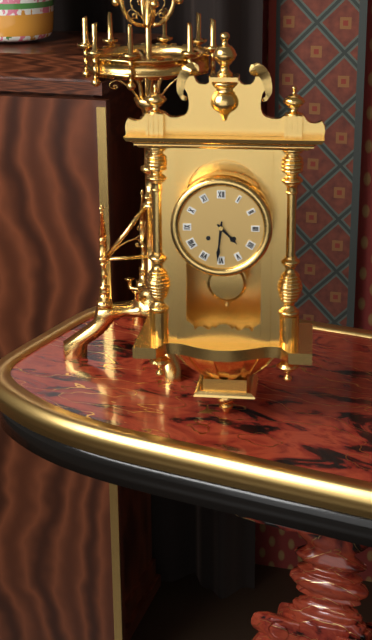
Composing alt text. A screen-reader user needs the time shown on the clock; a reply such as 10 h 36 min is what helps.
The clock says 4 h 31 min
